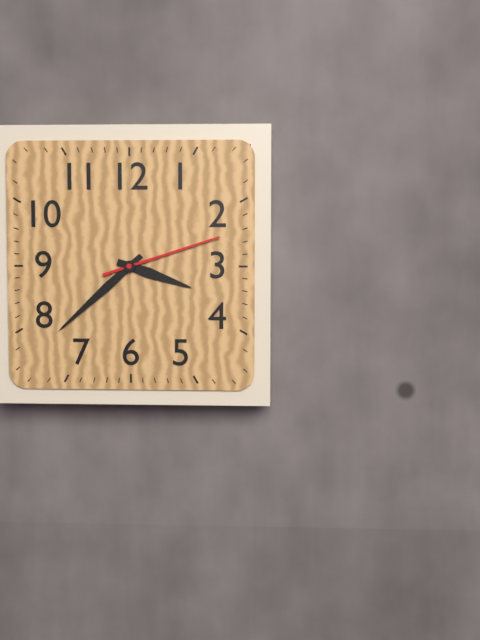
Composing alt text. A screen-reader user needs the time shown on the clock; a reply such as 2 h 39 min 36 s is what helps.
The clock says 3 h 38 min 12 s
